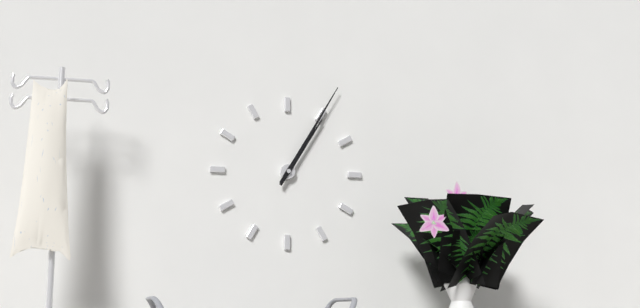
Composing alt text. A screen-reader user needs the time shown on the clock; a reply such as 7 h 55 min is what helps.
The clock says 1 h 05 min
